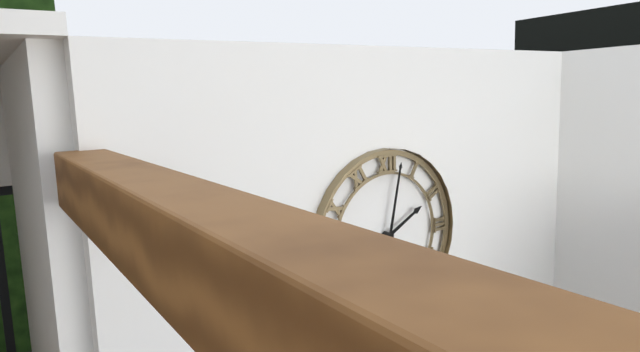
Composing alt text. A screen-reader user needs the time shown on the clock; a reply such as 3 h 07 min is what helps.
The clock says 2 h 02 min
